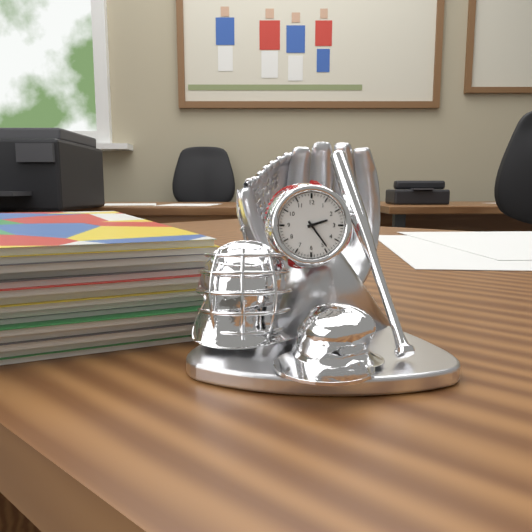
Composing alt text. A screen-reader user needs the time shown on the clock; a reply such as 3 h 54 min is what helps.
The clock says 2 h 24 min
